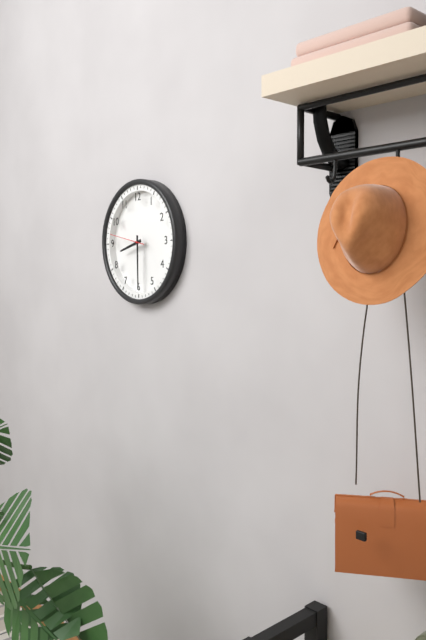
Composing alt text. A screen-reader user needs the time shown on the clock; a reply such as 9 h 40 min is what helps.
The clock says 8 h 30 min
